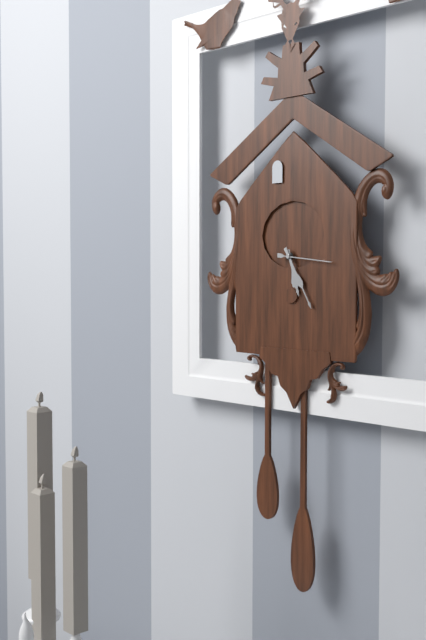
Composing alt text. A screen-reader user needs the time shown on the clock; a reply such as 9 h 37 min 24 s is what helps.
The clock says 5 h 25 min 16 s
